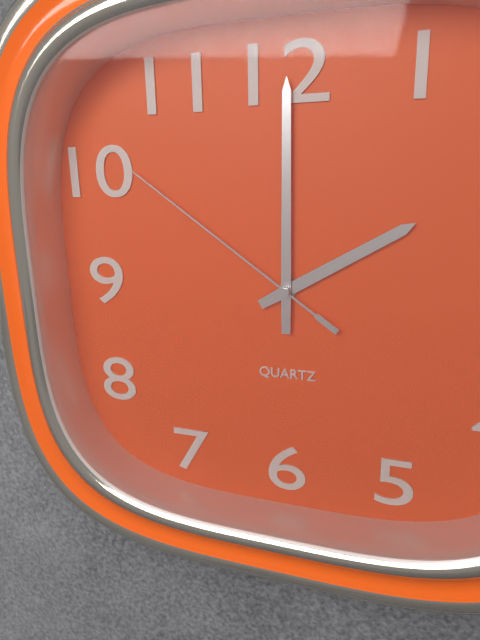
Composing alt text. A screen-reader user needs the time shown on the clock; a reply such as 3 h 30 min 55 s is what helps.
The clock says 2 h 00 min 51 s
